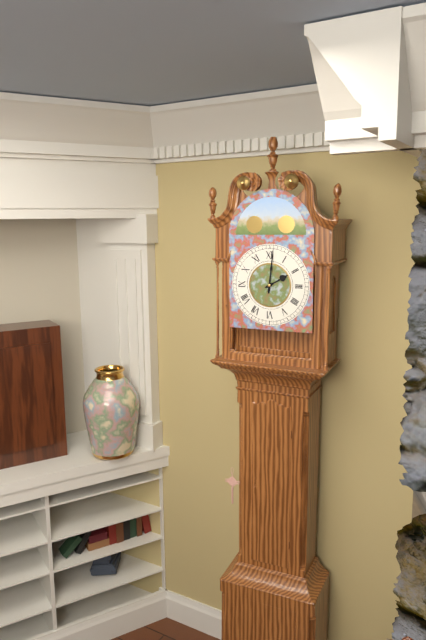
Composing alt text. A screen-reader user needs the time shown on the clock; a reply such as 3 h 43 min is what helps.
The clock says 2 h 01 min
